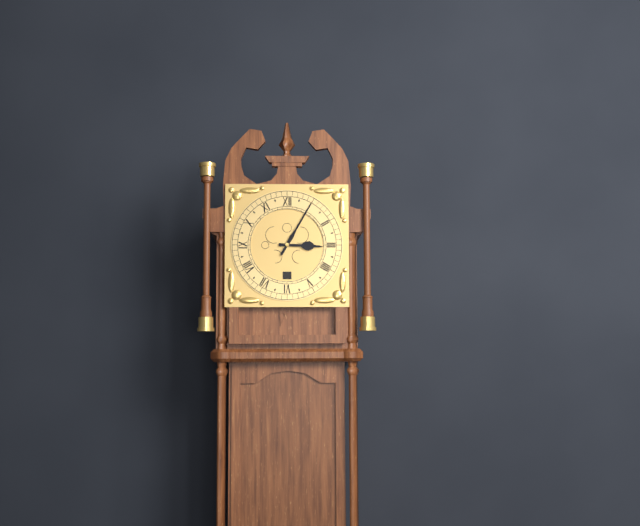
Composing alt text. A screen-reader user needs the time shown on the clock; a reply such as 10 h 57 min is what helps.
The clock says 3 h 05 min
